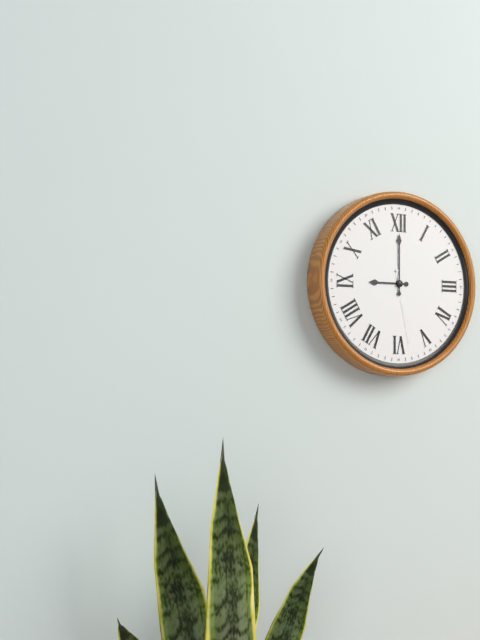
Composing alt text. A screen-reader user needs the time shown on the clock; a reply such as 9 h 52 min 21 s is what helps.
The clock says 9 h 00 min 28 s
